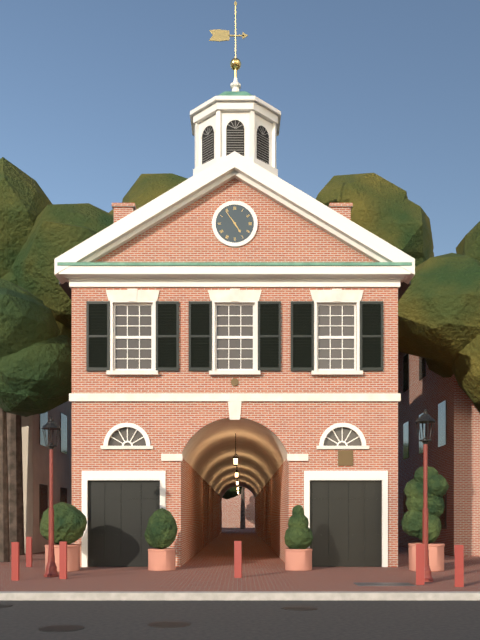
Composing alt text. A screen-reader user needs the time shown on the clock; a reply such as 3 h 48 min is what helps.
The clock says 4 h 54 min
